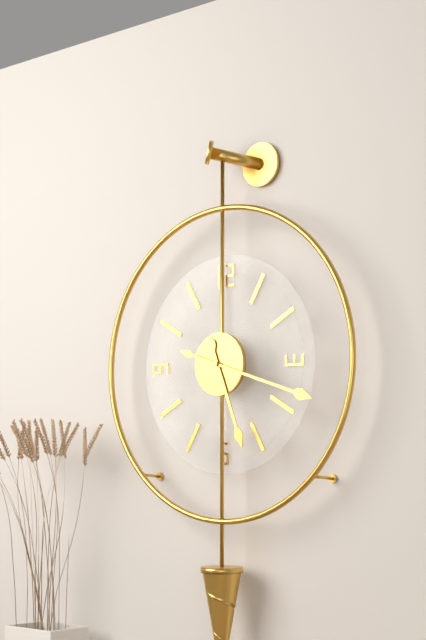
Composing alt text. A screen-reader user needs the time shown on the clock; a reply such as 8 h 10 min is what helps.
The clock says 5 h 18 min
